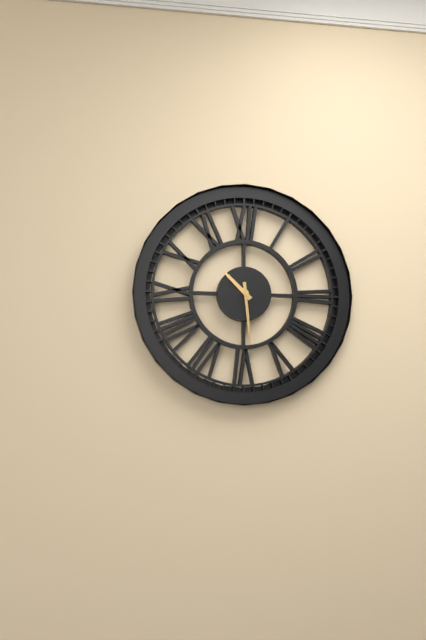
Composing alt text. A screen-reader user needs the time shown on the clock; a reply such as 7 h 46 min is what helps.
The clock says 10 h 29 min
